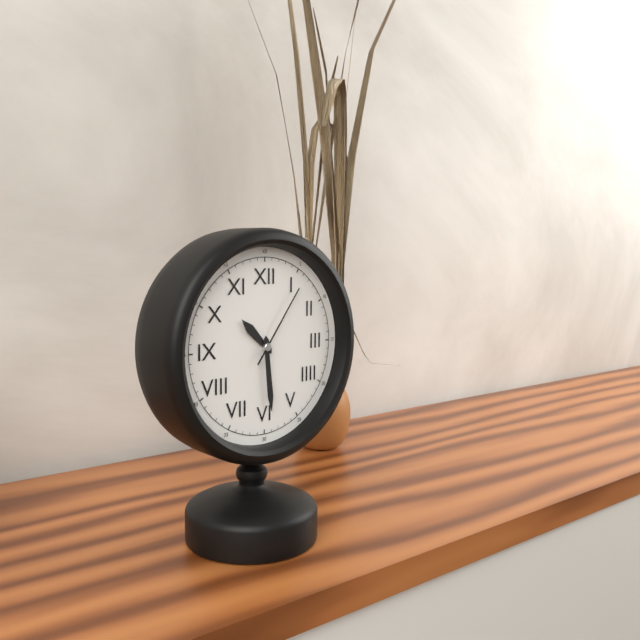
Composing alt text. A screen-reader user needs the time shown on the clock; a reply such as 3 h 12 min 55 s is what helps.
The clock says 10 h 29 min 06 s
